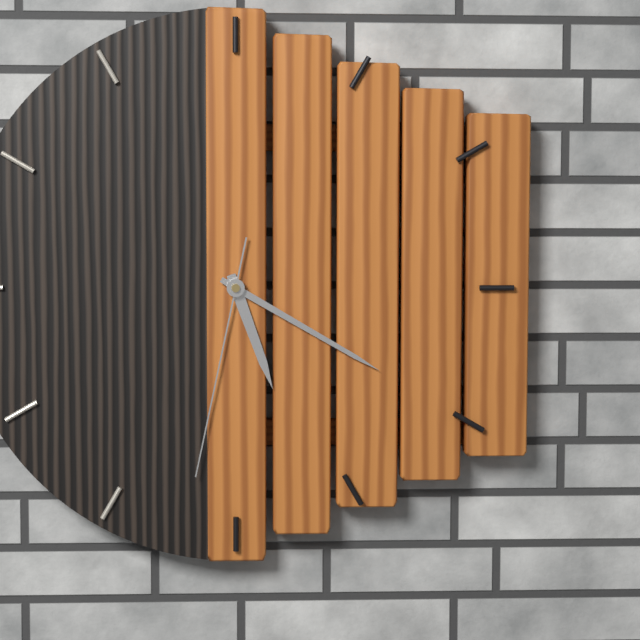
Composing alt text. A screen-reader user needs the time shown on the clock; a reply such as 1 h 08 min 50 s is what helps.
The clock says 5 h 20 min 32 s
